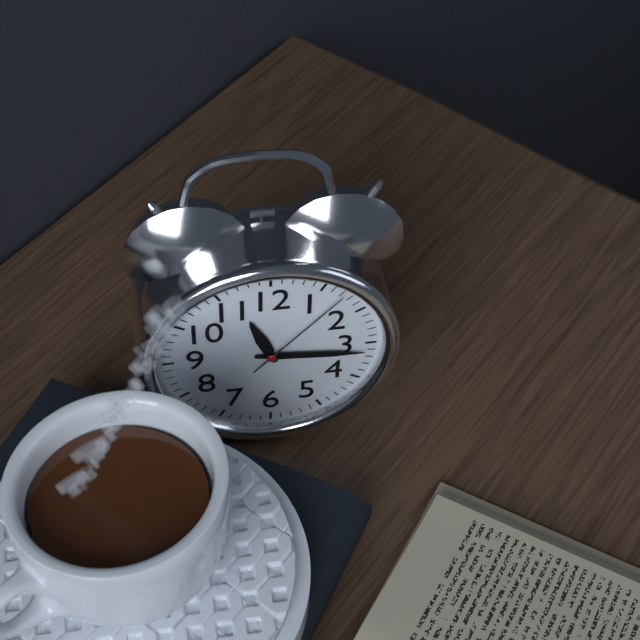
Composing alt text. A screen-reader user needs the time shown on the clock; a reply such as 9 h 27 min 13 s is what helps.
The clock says 11 h 16 min 07 s
